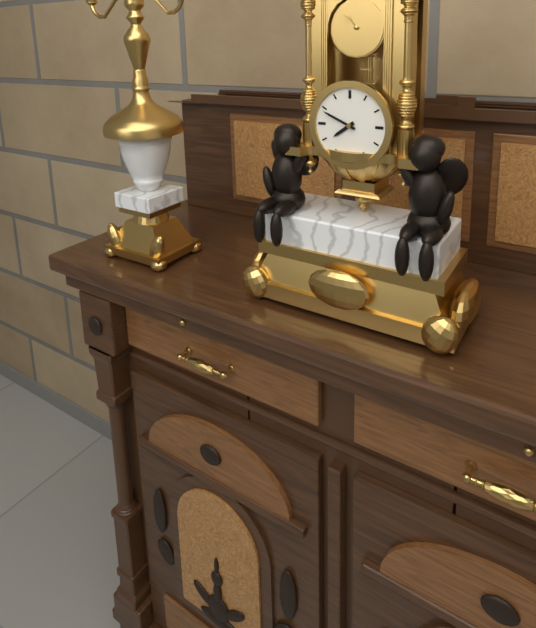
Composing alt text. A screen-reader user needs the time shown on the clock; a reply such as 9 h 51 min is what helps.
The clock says 7 h 49 min
